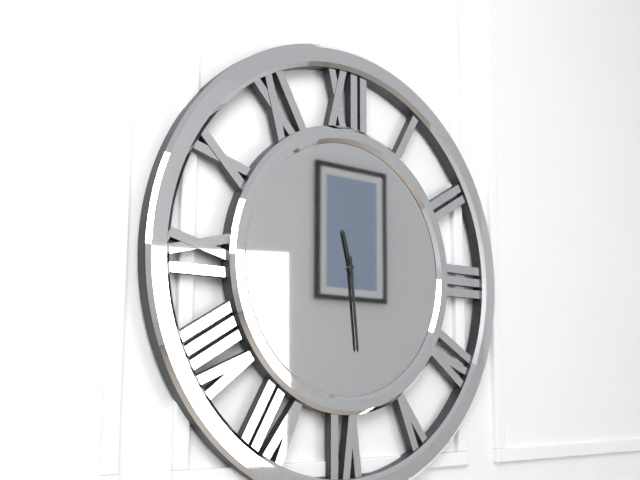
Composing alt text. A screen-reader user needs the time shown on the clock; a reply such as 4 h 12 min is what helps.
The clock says 11 h 29 min
